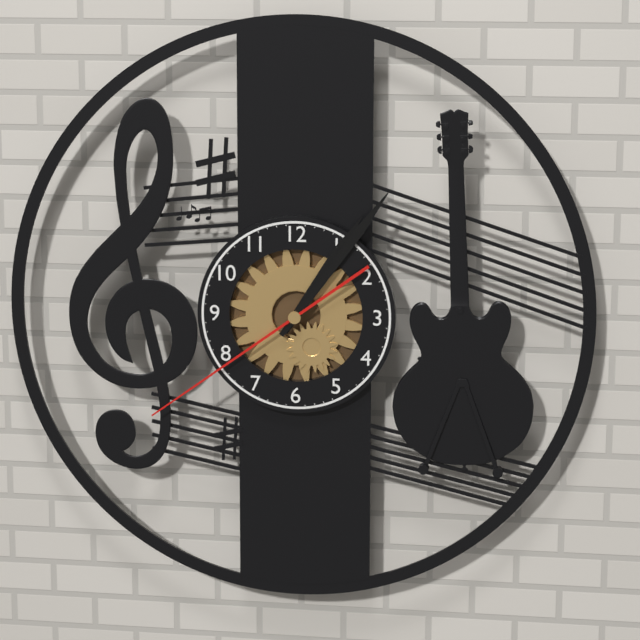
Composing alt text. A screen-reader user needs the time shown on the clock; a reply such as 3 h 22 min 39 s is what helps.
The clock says 1 h 06 min 39 s
